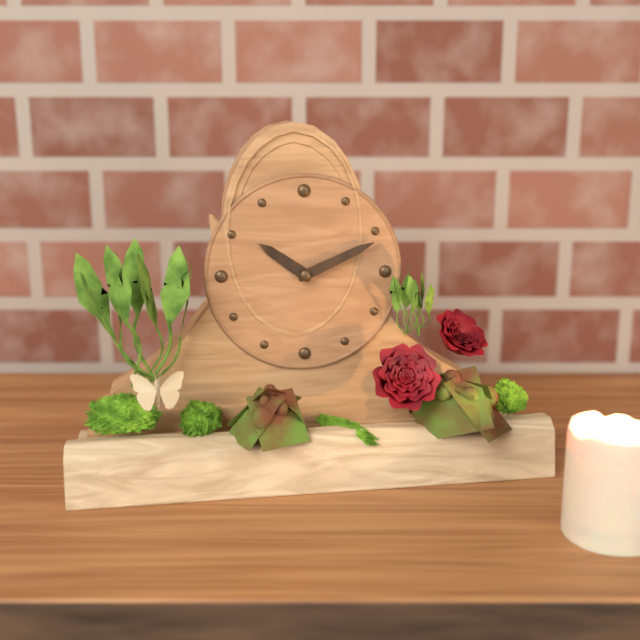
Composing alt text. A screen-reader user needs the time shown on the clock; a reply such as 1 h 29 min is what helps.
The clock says 10 h 11 min
